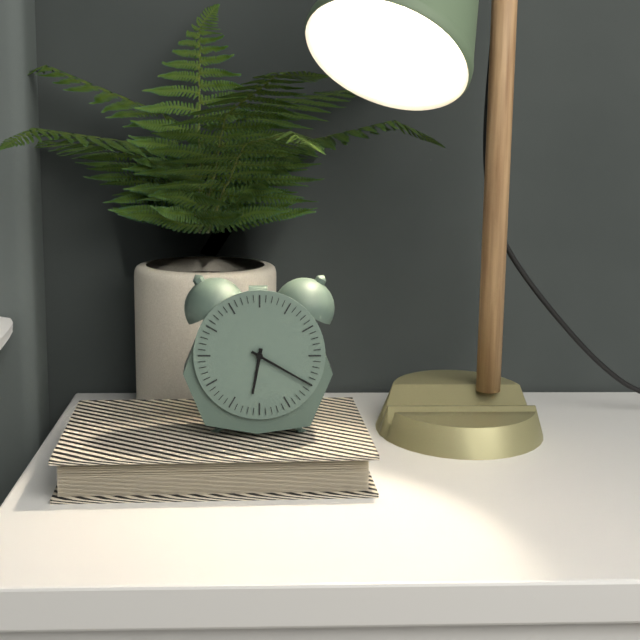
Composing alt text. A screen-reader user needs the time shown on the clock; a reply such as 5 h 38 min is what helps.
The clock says 6 h 20 min
